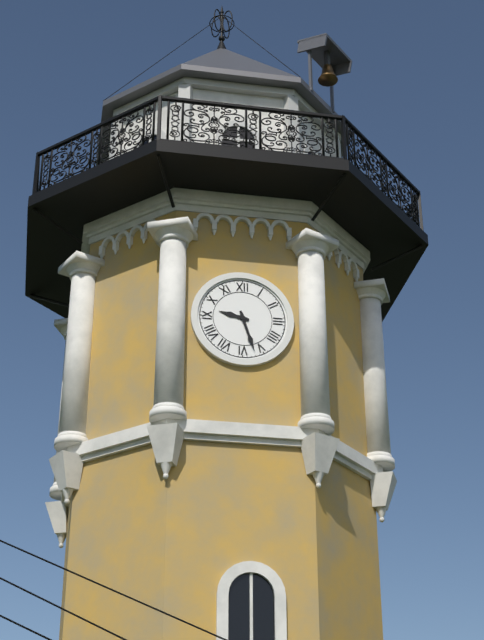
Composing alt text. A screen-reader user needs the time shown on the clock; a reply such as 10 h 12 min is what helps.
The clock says 9 h 27 min
